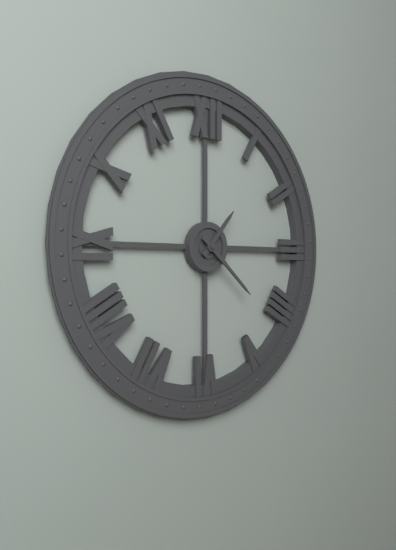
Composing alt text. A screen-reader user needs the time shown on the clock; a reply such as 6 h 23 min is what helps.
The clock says 1 h 22 min
